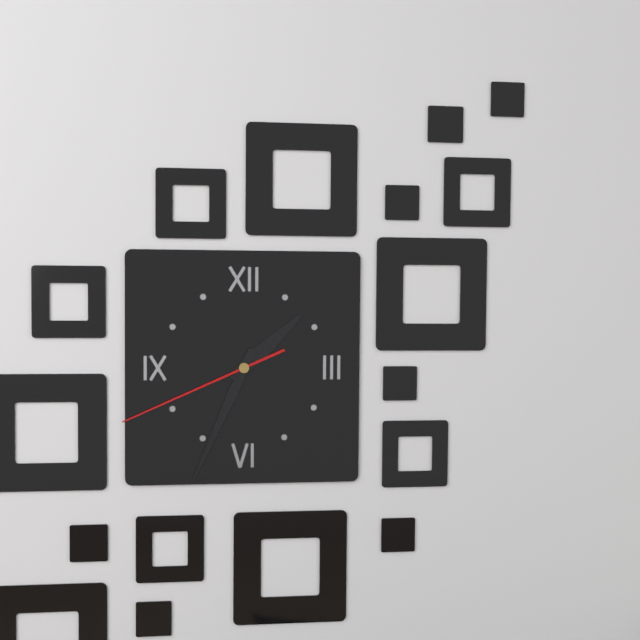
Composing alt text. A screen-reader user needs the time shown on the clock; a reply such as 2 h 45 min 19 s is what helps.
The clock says 1 h 34 min 41 s
